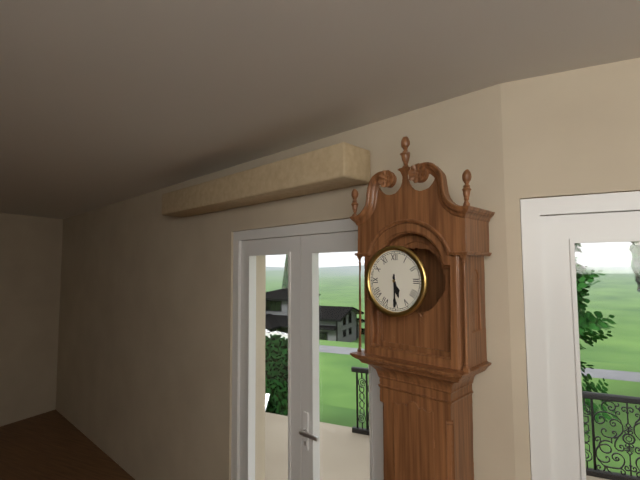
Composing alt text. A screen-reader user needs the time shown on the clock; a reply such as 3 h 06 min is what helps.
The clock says 5 h 30 min
